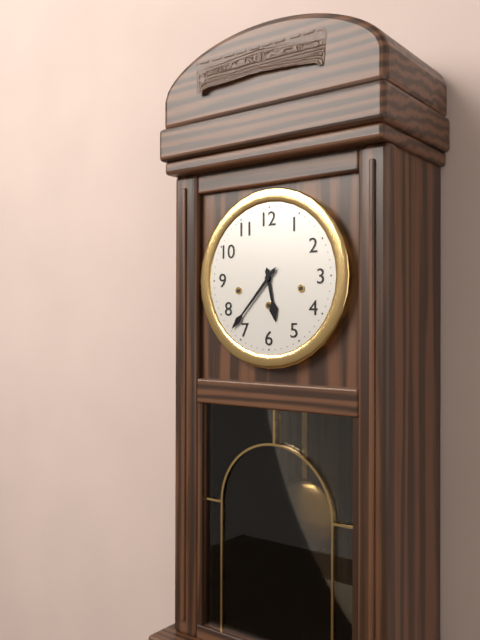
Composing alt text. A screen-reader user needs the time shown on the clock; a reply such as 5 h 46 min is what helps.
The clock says 5 h 37 min
